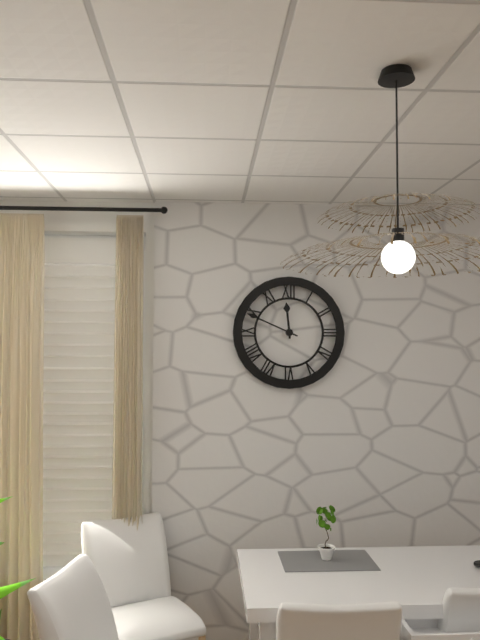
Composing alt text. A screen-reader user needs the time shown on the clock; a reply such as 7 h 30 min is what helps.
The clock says 11 h 49 min
